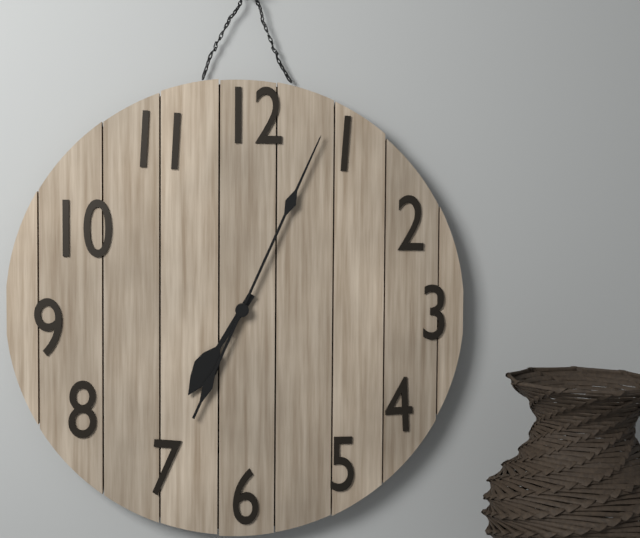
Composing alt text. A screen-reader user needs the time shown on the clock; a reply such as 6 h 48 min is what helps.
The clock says 7 h 04 min
